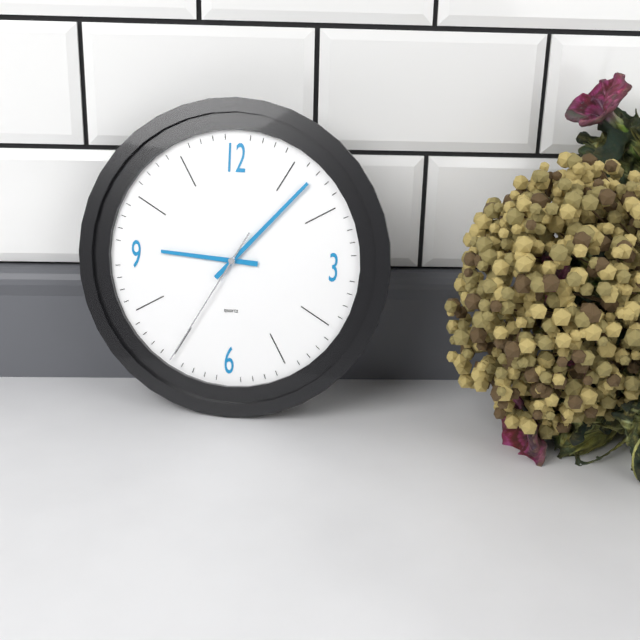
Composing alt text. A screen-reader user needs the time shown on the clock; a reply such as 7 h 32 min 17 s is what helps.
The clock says 9 h 07 min 35 s
